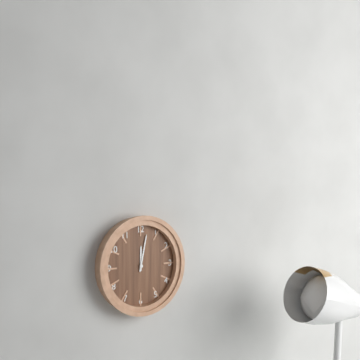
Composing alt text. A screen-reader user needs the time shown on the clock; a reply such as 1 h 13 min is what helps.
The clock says 12 h 02 min
